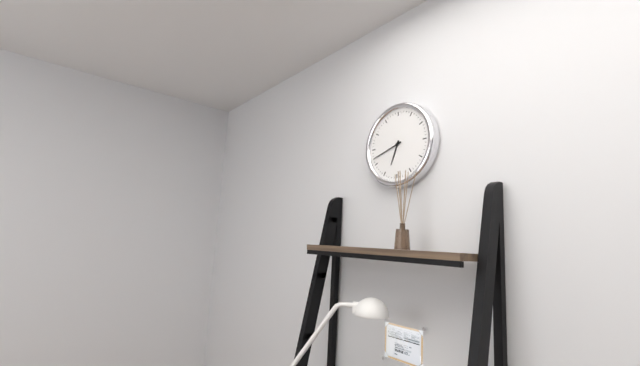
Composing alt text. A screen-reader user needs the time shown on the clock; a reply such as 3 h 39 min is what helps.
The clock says 6 h 42 min
